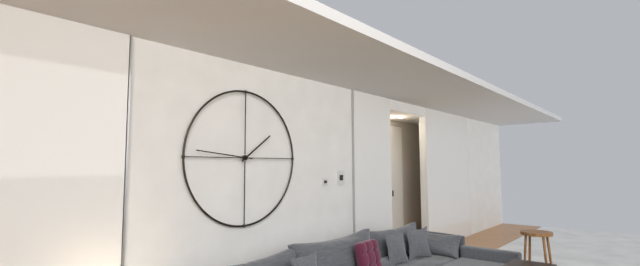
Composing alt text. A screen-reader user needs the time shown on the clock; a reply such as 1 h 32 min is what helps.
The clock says 1 h 46 min
